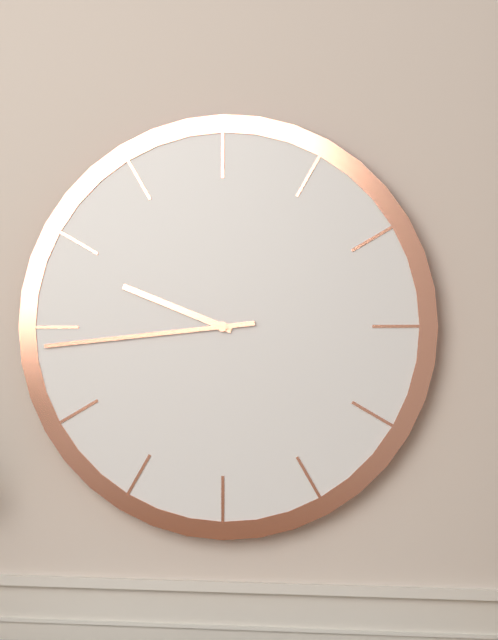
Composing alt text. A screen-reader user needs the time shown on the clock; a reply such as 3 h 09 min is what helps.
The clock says 9 h 44 min
